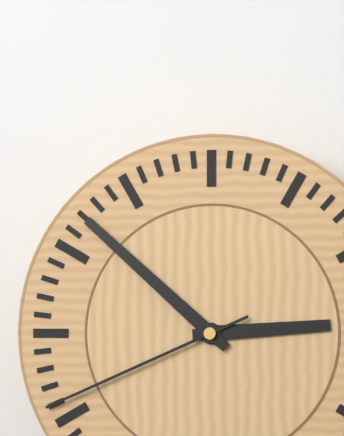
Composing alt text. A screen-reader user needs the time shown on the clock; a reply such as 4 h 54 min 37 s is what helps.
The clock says 2 h 52 min 41 s
